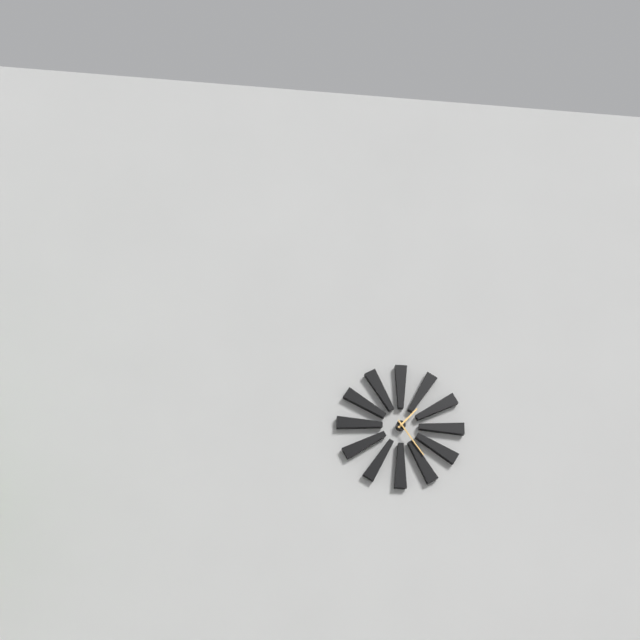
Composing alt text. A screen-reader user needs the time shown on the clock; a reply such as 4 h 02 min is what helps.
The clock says 1 h 24 min
